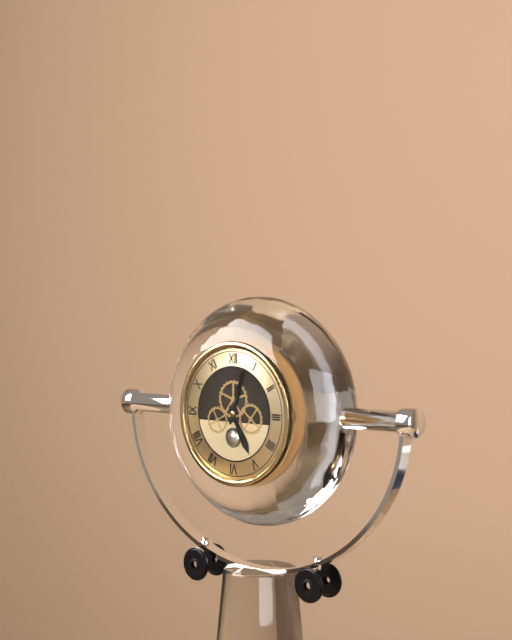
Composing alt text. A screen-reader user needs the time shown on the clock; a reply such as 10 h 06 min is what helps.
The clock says 5 h 03 min
